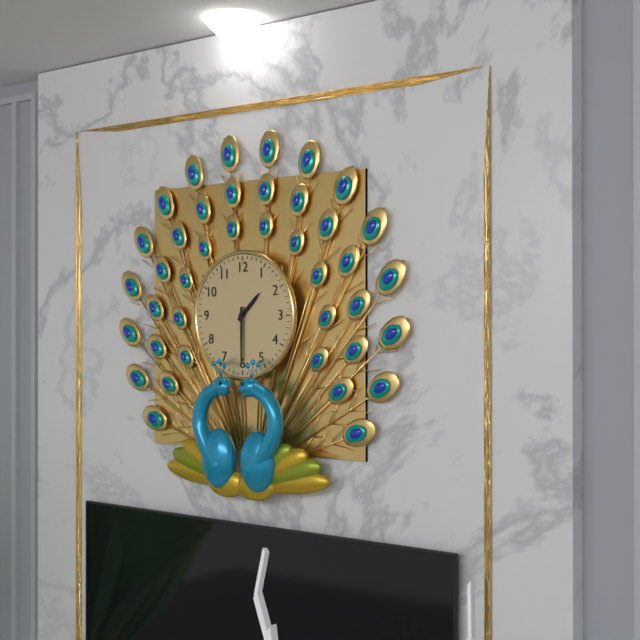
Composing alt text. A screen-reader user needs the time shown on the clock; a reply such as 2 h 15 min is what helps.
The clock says 1 h 30 min
